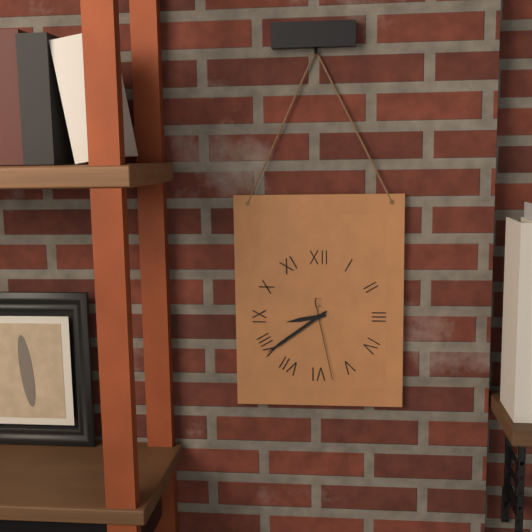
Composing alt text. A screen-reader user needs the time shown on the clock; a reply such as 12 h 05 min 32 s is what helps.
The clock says 8 h 39 min 28 s
